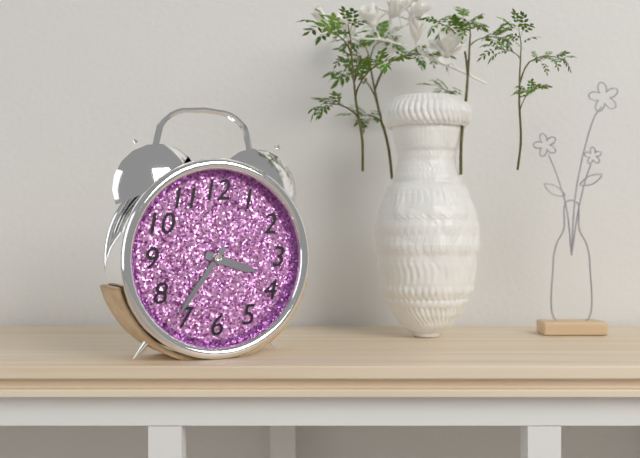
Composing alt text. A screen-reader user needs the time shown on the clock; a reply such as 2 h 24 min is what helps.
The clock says 3 h 36 min
